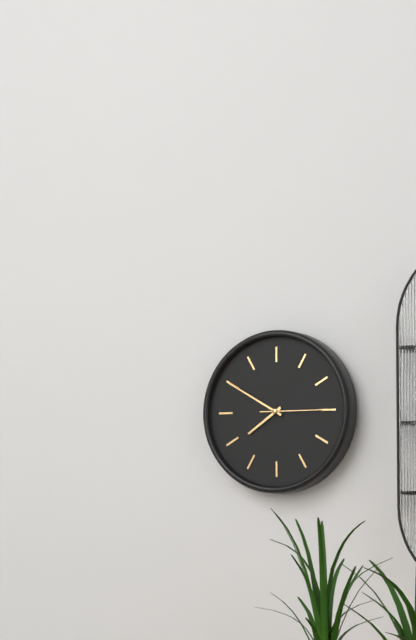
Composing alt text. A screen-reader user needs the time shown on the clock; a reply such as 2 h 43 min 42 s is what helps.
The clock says 7 h 50 min 15 s
